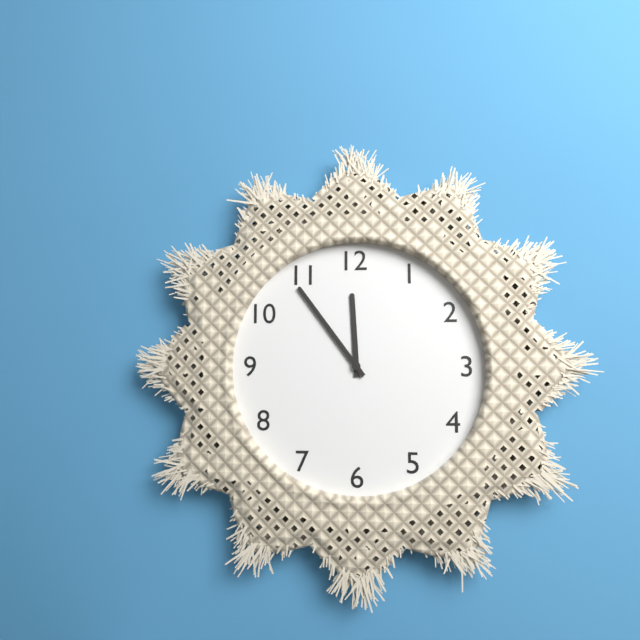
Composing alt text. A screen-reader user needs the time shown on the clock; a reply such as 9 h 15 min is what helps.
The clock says 11 h 54 min
